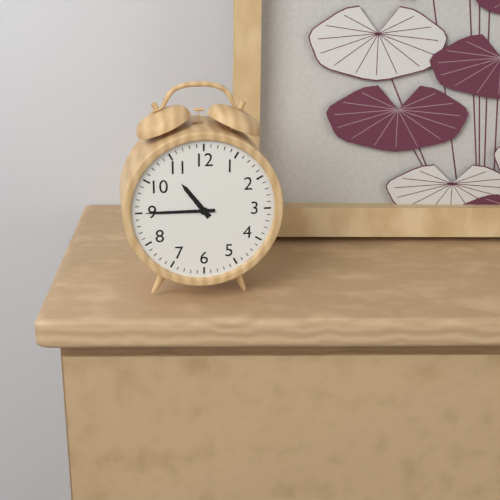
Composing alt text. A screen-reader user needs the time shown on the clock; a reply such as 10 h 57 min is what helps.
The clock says 10 h 45 min
